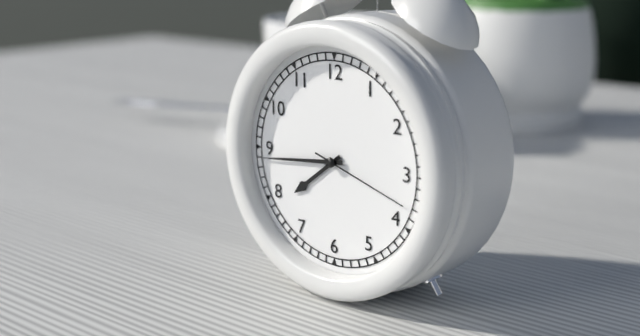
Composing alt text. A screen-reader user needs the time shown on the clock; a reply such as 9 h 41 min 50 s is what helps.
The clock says 7 h 44 min 18 s
